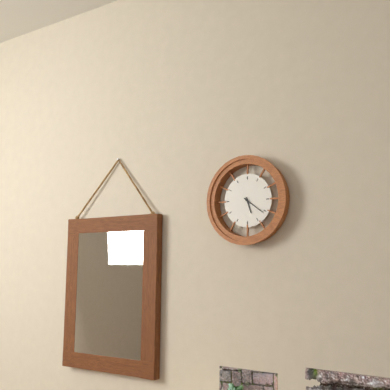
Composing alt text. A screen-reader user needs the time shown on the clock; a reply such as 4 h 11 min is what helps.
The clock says 5 h 21 min
